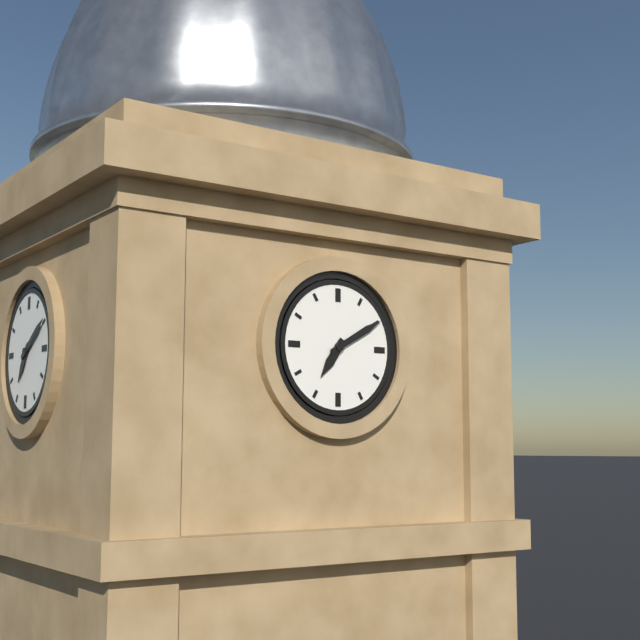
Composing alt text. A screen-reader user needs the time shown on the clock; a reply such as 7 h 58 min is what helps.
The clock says 7 h 10 min
